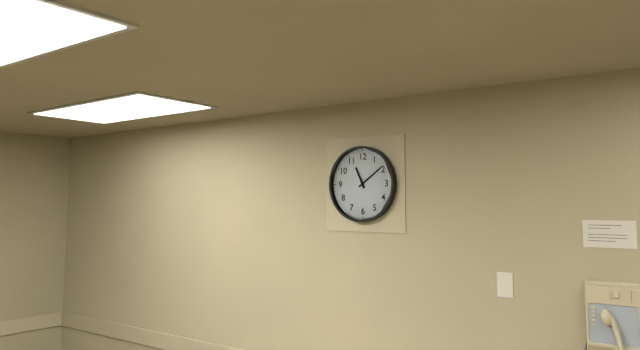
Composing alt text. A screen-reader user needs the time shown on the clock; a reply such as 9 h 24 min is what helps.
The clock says 11 h 09 min
